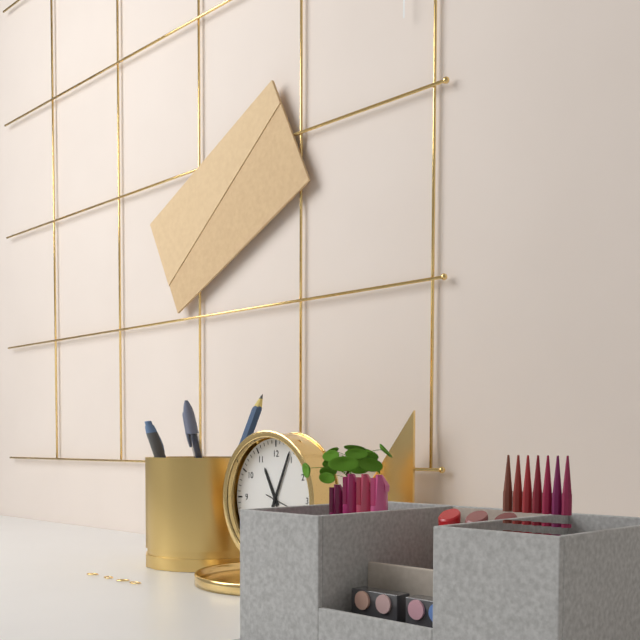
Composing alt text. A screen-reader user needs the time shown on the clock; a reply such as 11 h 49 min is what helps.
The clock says 11 h 04 min
